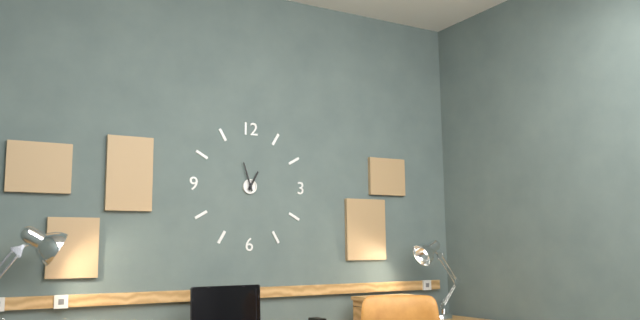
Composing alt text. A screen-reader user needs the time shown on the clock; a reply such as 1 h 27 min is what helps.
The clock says 12 h 57 min
